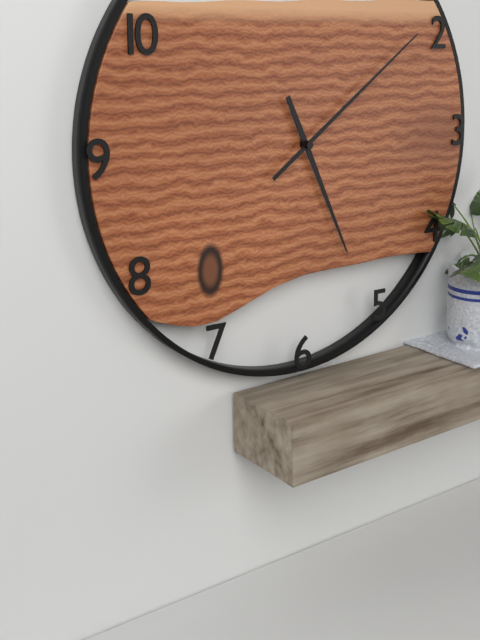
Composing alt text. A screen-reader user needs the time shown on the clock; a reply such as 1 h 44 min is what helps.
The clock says 5 h 09 min
